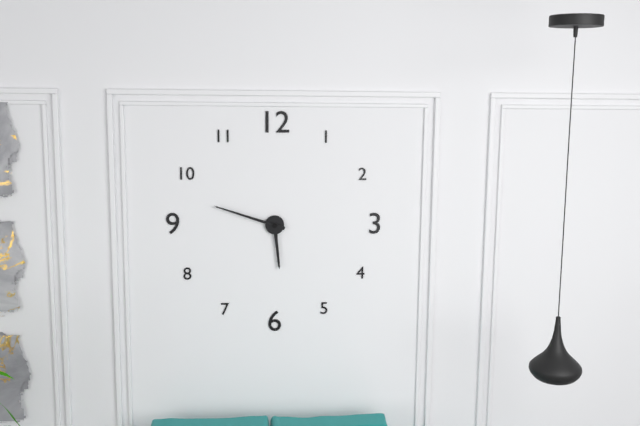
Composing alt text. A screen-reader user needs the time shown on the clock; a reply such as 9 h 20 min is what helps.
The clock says 5 h 48 min
